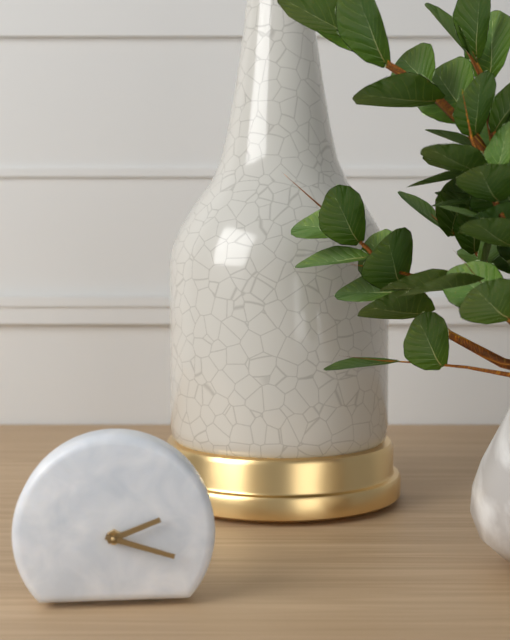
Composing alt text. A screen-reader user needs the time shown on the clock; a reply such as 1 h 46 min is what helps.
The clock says 2 h 18 min
